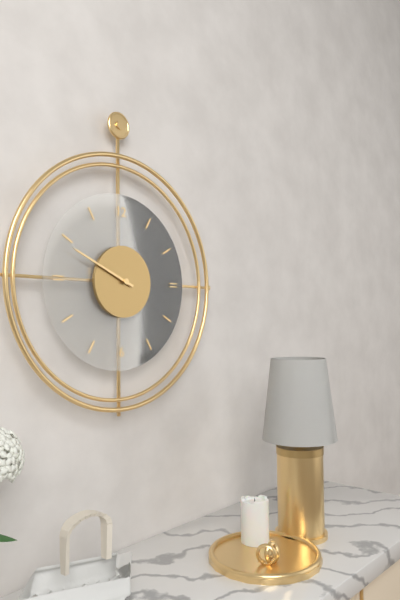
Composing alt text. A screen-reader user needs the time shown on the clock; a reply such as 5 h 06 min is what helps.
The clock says 9 h 49 min
